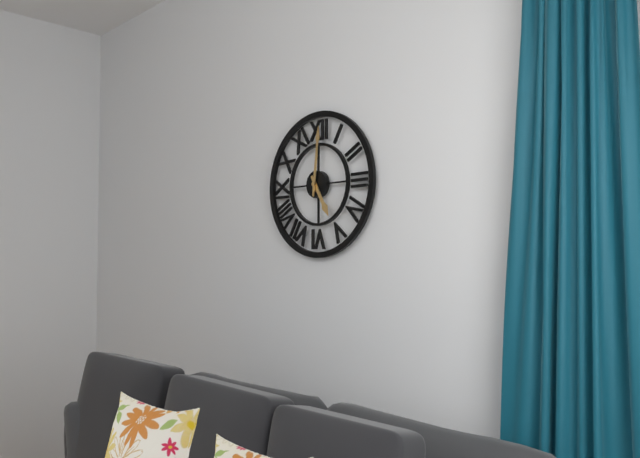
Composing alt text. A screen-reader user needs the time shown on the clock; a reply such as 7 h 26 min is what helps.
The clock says 5 h 01 min
